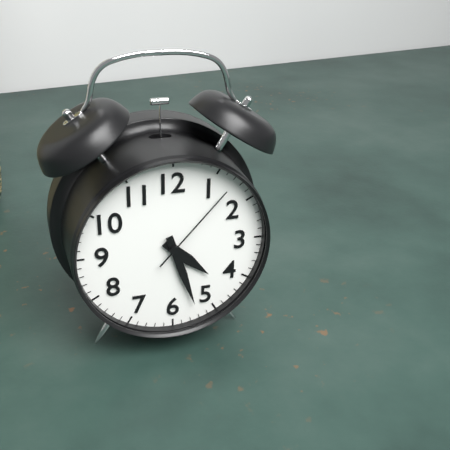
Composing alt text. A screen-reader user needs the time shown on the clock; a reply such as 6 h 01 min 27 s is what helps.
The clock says 4 h 27 min 07 s
